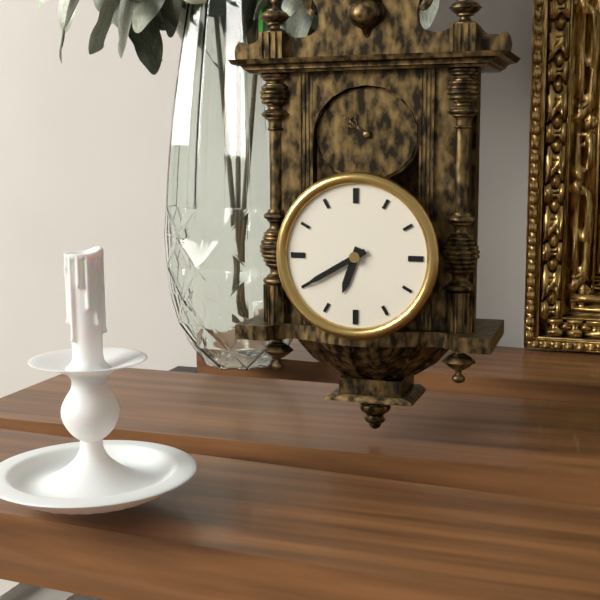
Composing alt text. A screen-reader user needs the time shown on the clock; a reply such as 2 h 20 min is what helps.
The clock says 6 h 40 min
